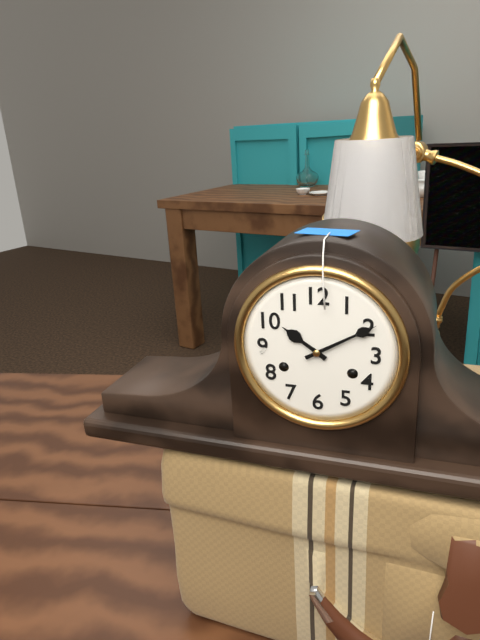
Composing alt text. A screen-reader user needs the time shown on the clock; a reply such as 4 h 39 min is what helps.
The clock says 10 h 10 min
